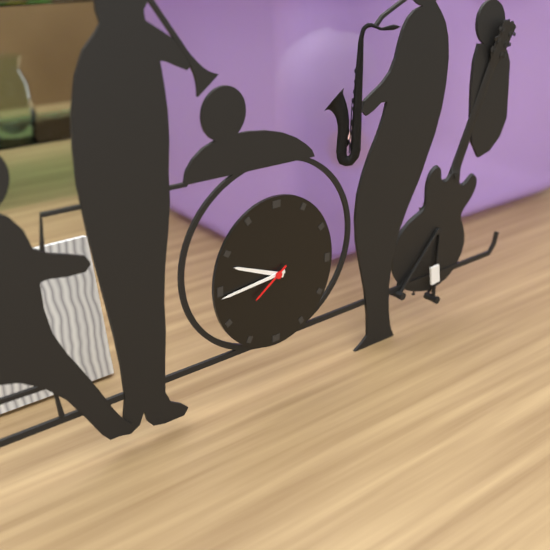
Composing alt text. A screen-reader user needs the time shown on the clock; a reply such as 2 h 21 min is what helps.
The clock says 9 h 44 min
